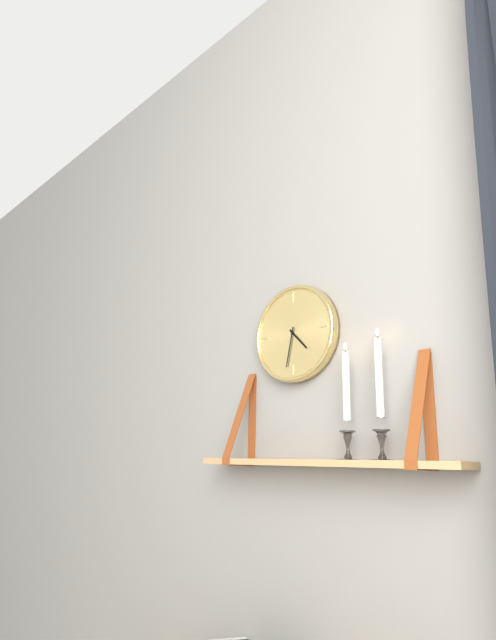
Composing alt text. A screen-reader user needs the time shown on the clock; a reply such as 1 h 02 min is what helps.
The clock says 4 h 32 min
